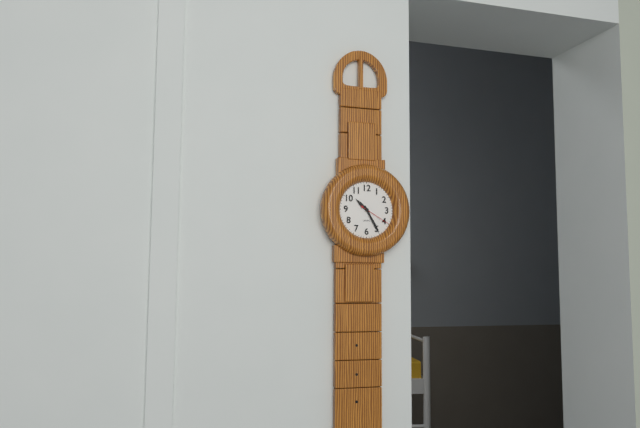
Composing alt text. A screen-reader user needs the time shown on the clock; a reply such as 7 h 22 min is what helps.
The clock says 10 h 25 min
